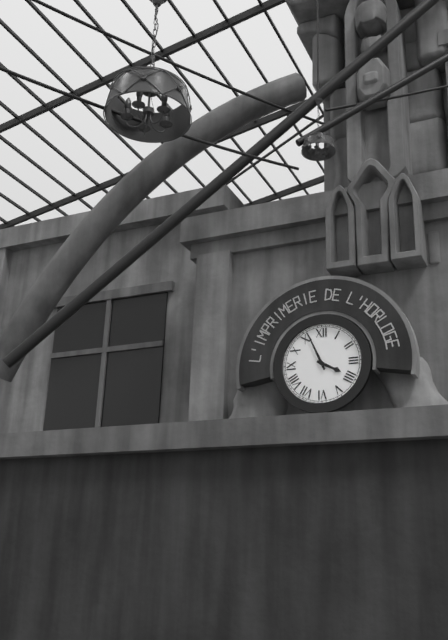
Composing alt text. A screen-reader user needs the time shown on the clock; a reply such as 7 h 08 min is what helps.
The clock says 3 h 56 min
